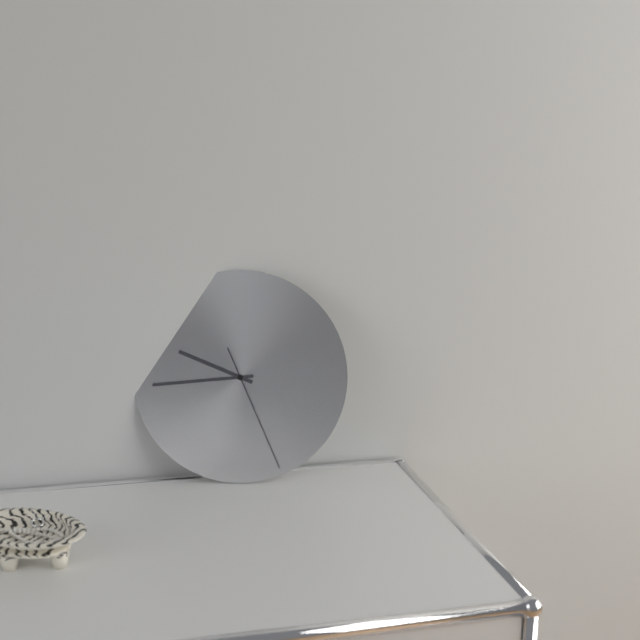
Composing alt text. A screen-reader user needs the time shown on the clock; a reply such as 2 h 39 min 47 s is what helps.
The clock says 9 h 44 min 26 s
